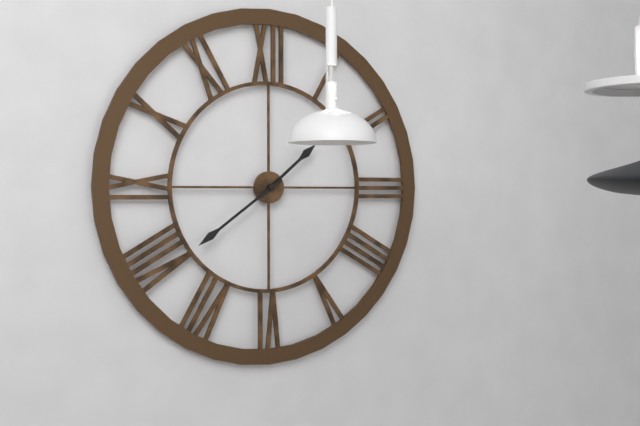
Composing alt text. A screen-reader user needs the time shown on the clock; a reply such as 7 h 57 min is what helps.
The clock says 1 h 39 min
